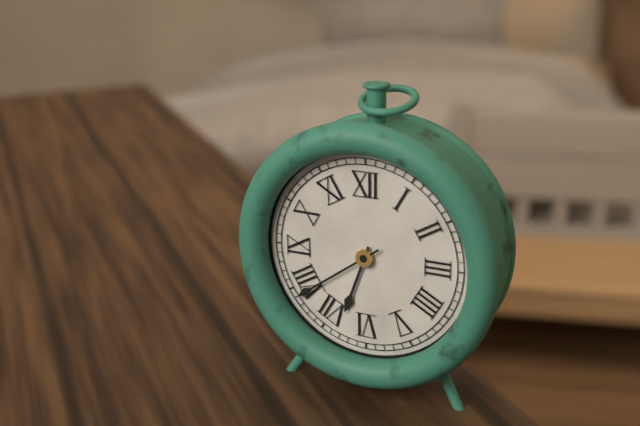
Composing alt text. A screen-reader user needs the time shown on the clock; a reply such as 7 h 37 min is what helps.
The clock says 6 h 39 min
